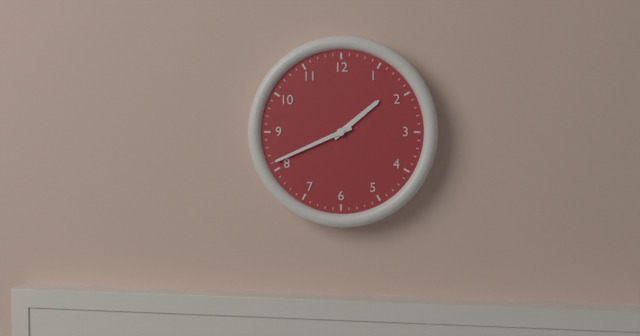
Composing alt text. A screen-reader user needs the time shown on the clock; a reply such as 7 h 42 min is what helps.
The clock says 1 h 41 min
